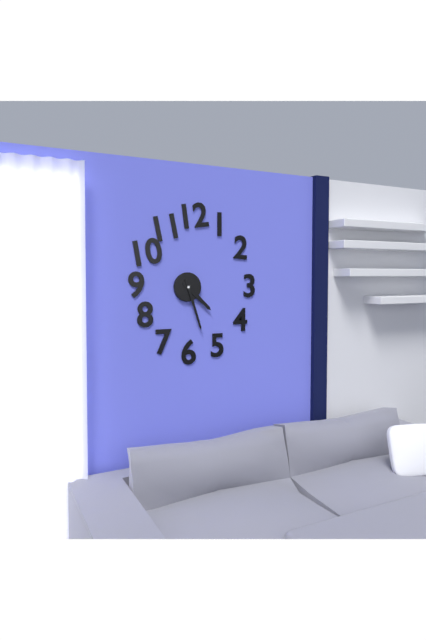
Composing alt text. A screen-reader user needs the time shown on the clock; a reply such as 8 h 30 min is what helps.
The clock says 4 h 27 min
